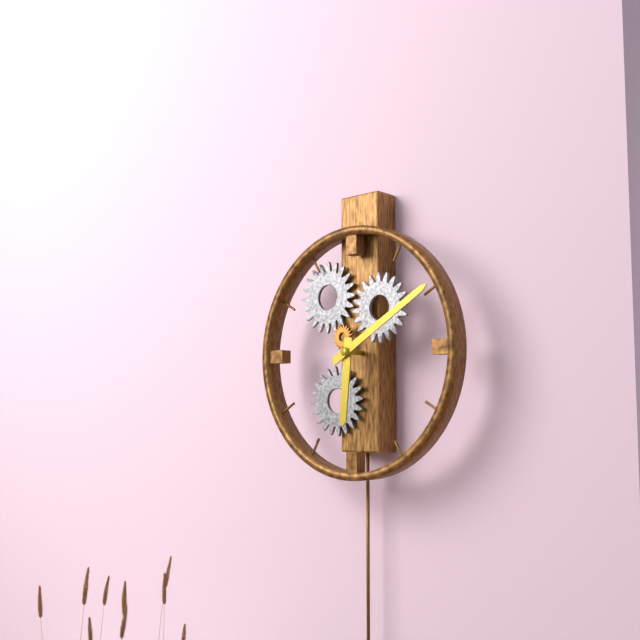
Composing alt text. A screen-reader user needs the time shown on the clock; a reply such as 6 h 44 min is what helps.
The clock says 6 h 10 min
